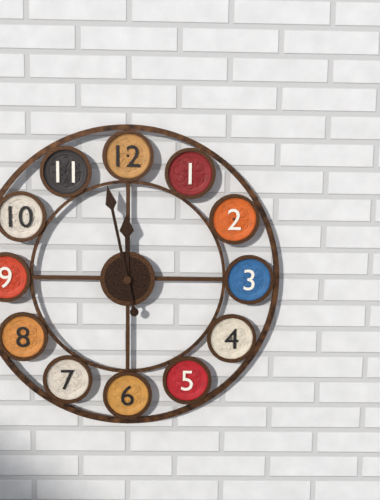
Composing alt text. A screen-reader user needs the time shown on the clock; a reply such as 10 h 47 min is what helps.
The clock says 11 h 58 min
